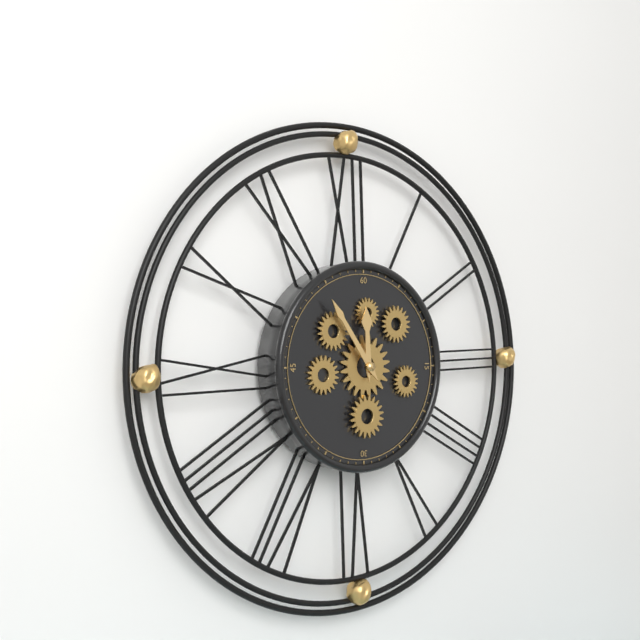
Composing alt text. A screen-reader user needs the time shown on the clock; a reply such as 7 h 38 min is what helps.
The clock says 11 h 54 min
